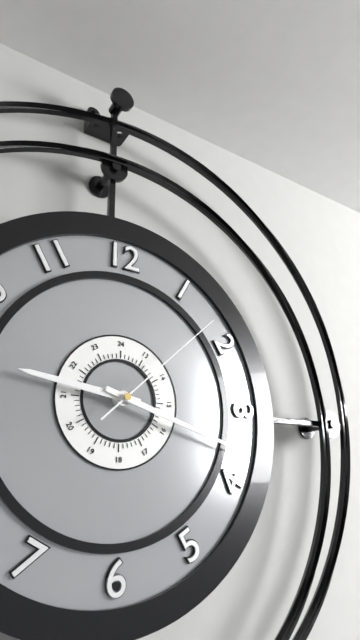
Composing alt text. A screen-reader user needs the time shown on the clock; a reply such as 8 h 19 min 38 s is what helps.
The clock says 9 h 18 min 08 s
